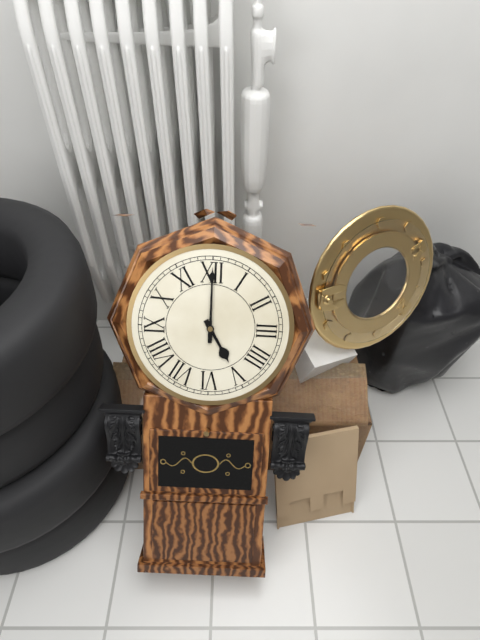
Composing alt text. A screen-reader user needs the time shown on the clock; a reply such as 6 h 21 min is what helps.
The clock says 5 h 00 min
